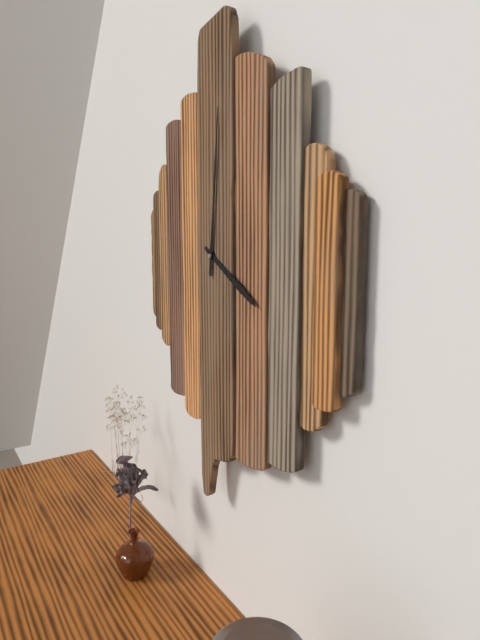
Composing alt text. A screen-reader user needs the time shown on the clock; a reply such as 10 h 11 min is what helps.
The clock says 4 h 01 min
